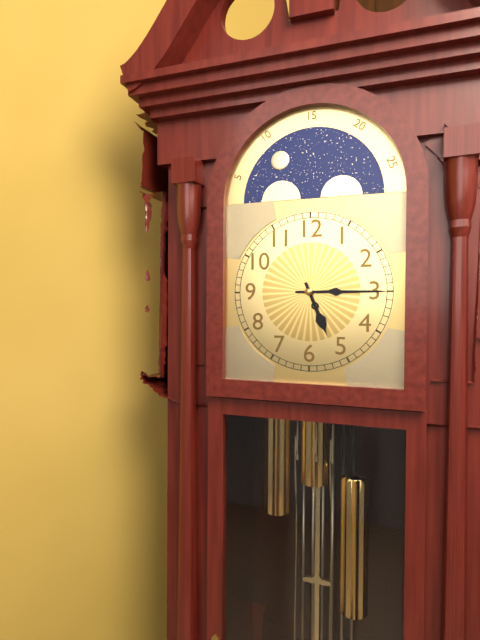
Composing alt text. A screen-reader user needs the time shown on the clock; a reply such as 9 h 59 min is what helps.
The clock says 5 h 15 min
